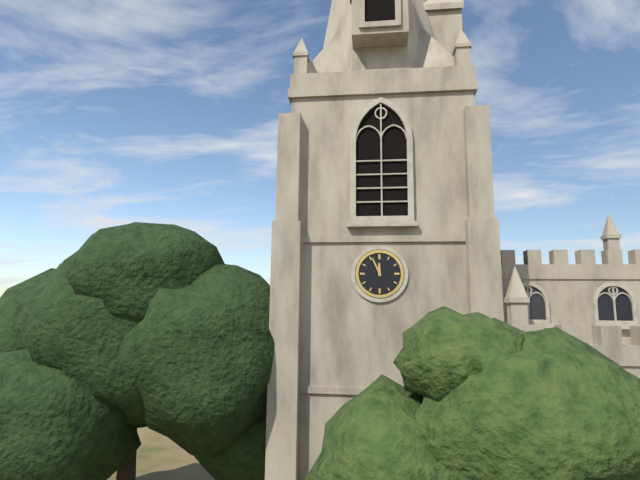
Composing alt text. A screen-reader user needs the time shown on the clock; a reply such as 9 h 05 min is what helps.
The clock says 11 h 56 min
